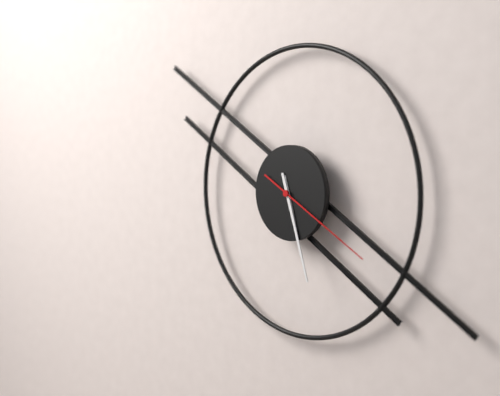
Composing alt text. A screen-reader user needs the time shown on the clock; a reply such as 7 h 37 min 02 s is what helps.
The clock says 5 h 27 min 20 s
